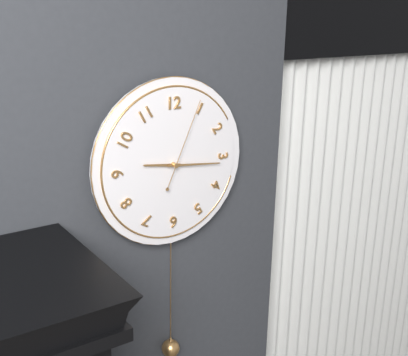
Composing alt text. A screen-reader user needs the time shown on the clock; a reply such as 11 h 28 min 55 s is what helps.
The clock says 9 h 16 min 04 s
